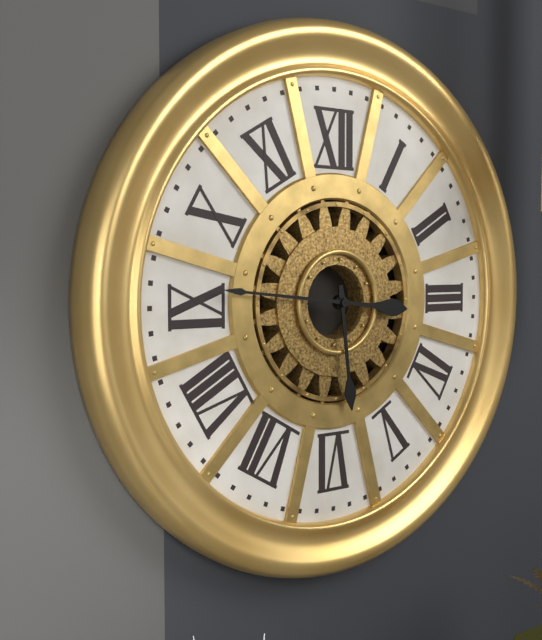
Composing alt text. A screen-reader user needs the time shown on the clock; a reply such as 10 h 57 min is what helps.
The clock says 5 h 46 min
